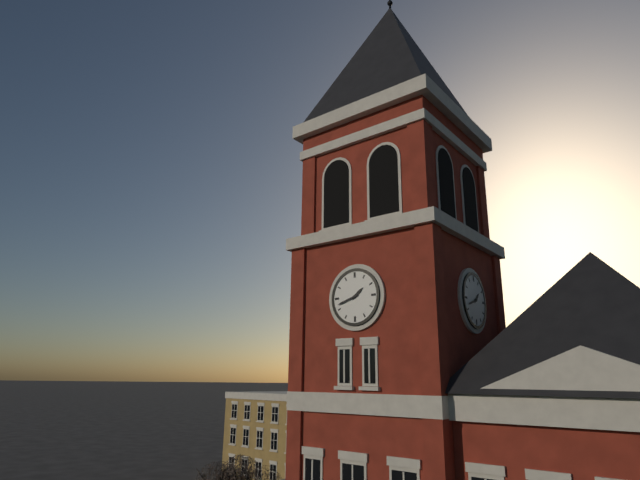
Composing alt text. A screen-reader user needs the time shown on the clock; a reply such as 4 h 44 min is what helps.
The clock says 1 h 42 min
